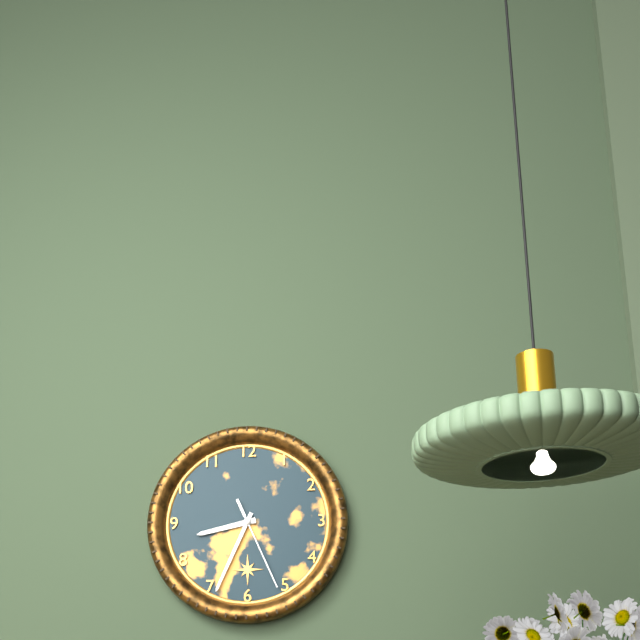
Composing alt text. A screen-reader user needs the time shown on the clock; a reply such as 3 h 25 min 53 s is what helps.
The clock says 8 h 34 min 26 s
